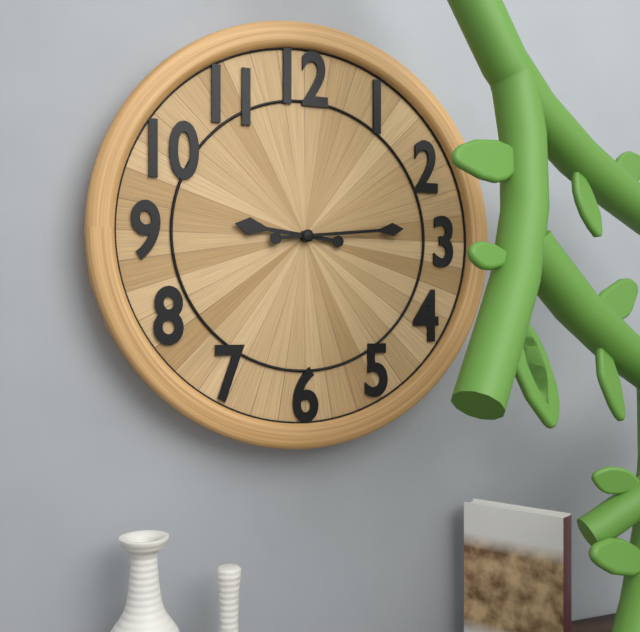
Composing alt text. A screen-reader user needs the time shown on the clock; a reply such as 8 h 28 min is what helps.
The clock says 9 h 14 min
